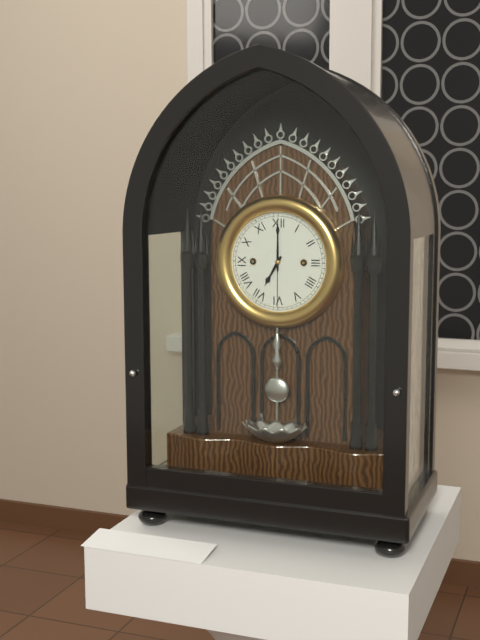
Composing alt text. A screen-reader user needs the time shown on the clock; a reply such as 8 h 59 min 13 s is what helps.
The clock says 7 h 00 min 30 s
